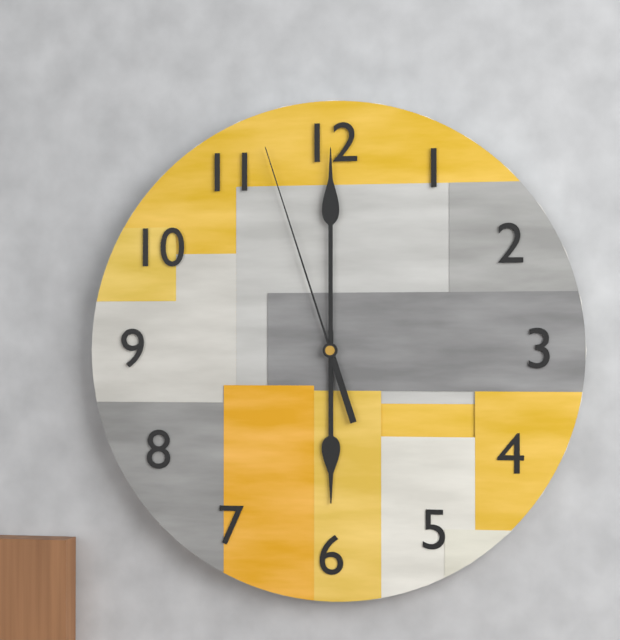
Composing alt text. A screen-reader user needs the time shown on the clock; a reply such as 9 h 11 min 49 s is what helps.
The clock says 6 h 00 min 57 s
